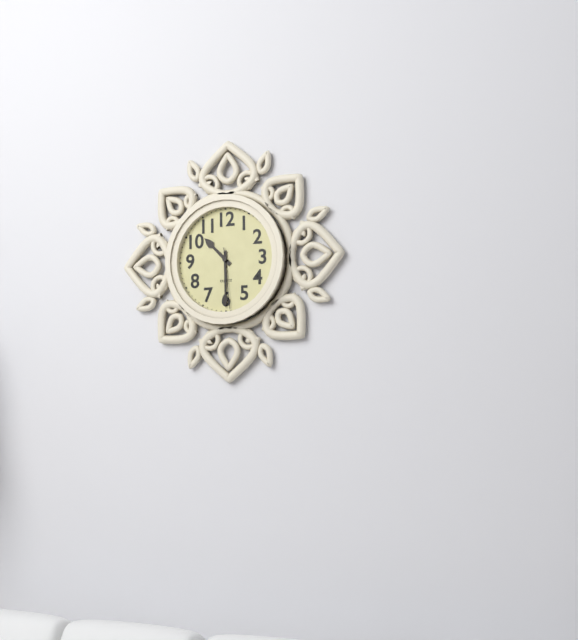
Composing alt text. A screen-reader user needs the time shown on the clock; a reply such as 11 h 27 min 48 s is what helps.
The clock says 10 h 30 min 29 s
